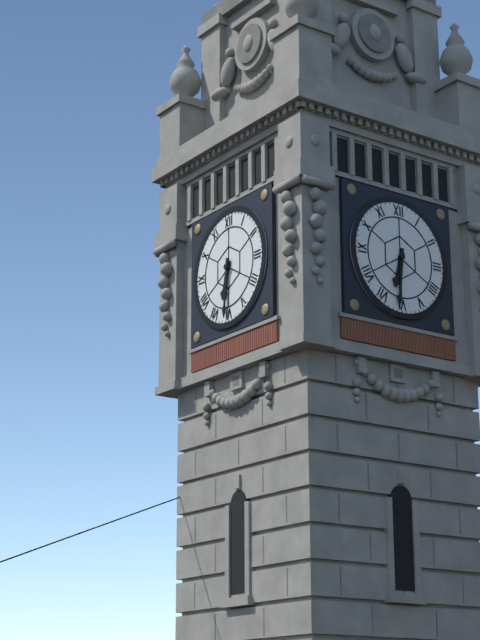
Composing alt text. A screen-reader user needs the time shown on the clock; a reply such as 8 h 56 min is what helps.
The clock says 6 h 31 min
